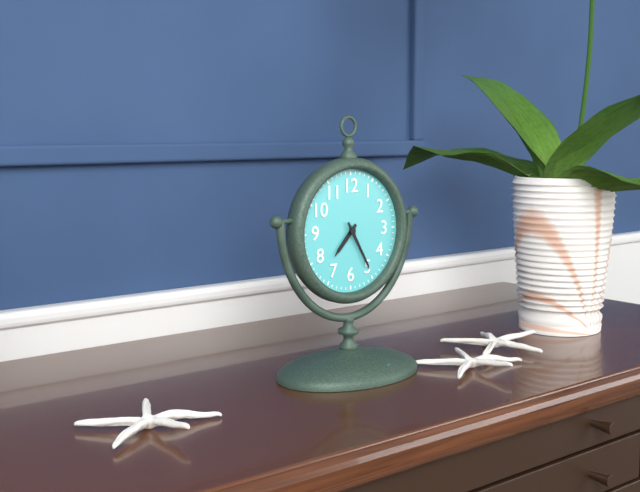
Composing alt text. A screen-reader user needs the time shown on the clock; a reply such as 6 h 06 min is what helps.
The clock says 7 h 25 min
